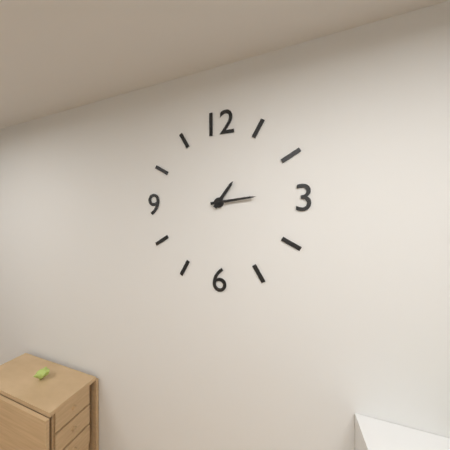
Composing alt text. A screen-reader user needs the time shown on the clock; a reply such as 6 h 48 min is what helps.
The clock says 1 h 14 min
